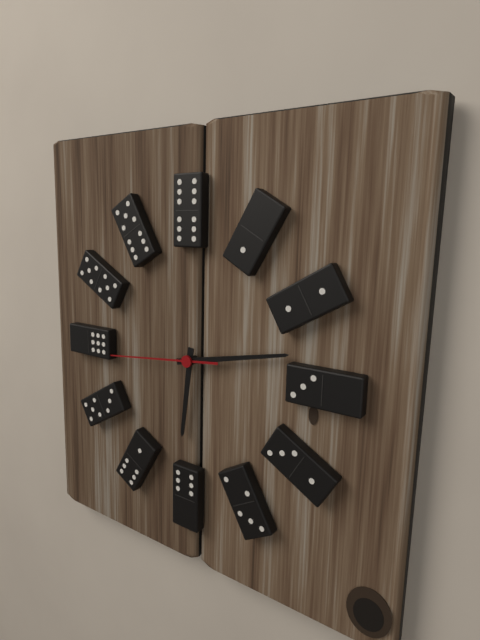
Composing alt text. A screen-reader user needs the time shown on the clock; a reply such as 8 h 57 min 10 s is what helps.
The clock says 6 h 13 min 44 s
